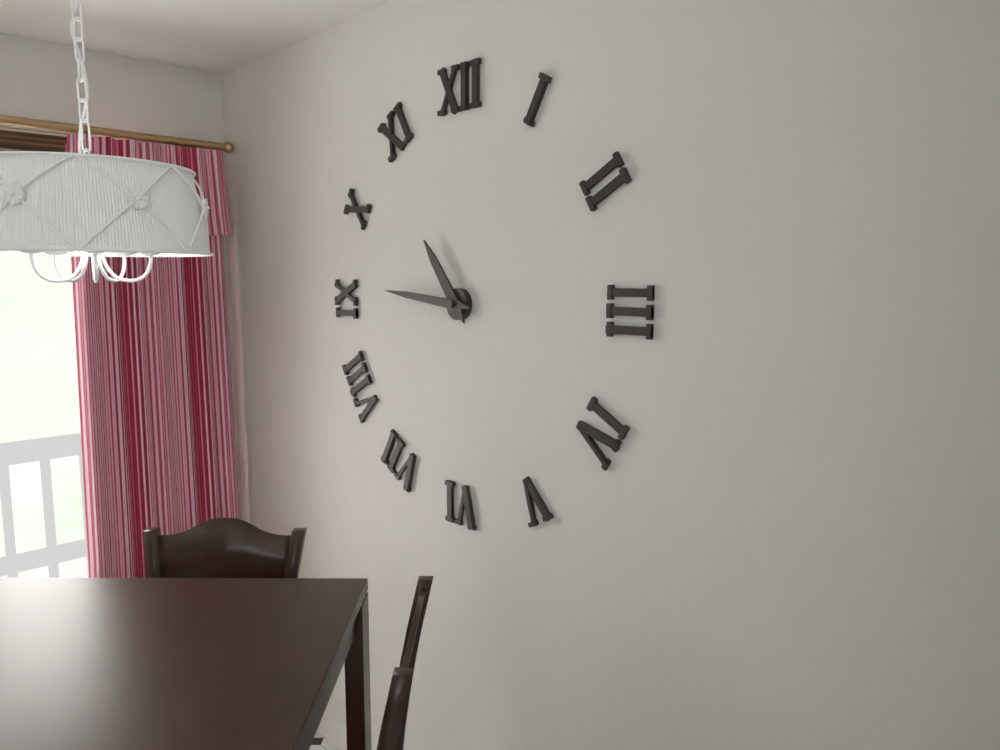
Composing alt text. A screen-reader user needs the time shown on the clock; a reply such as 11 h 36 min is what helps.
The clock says 10 h 46 min
